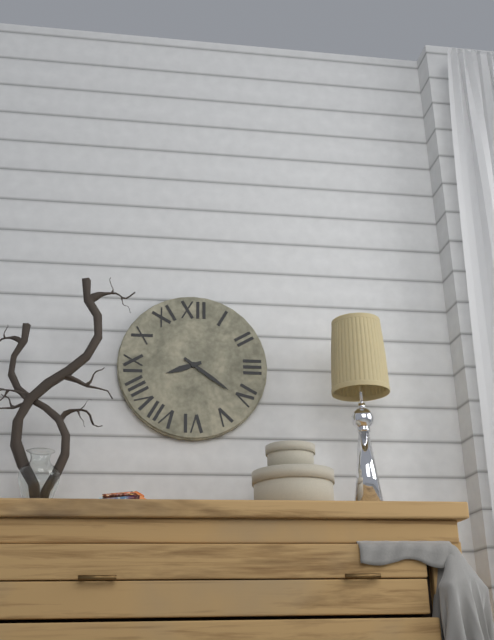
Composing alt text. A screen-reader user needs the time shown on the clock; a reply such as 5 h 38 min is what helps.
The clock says 8 h 21 min
